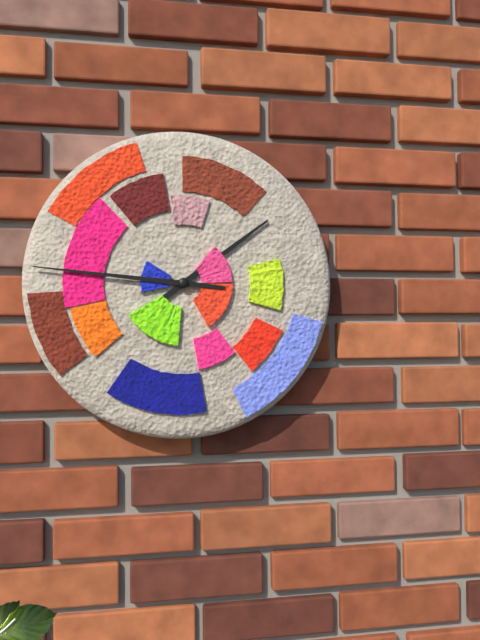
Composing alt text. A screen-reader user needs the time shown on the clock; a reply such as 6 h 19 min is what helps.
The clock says 1 h 46 min
